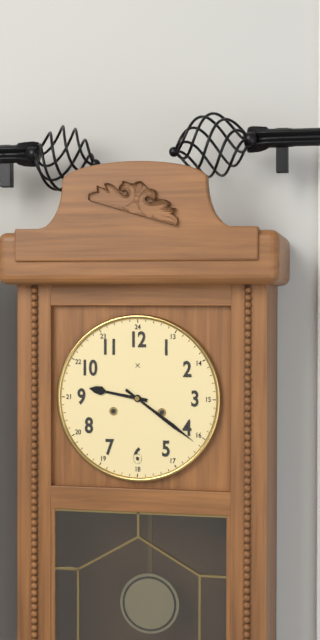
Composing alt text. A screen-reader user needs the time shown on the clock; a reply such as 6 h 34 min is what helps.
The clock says 9 h 21 min
